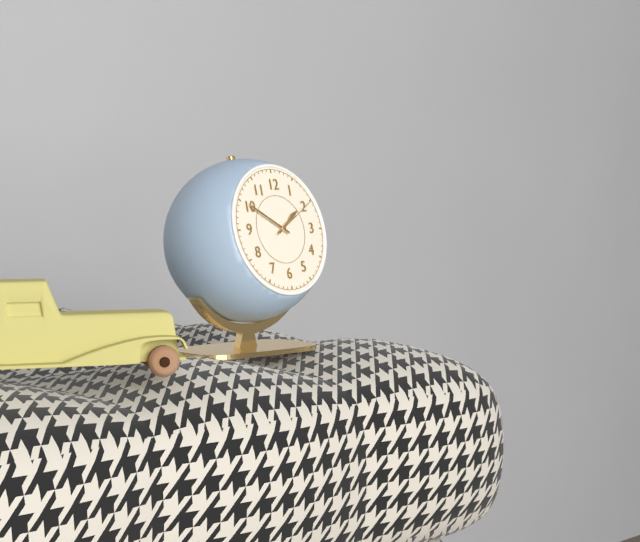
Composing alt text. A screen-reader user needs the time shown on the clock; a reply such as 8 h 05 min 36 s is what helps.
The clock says 1 h 50 min 10 s
